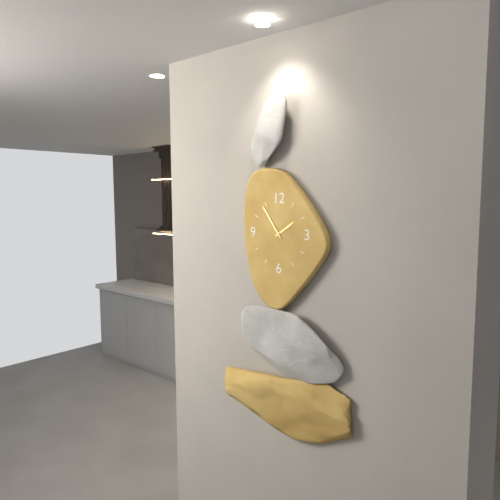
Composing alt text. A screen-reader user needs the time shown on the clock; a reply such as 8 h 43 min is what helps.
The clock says 1 h 54 min
